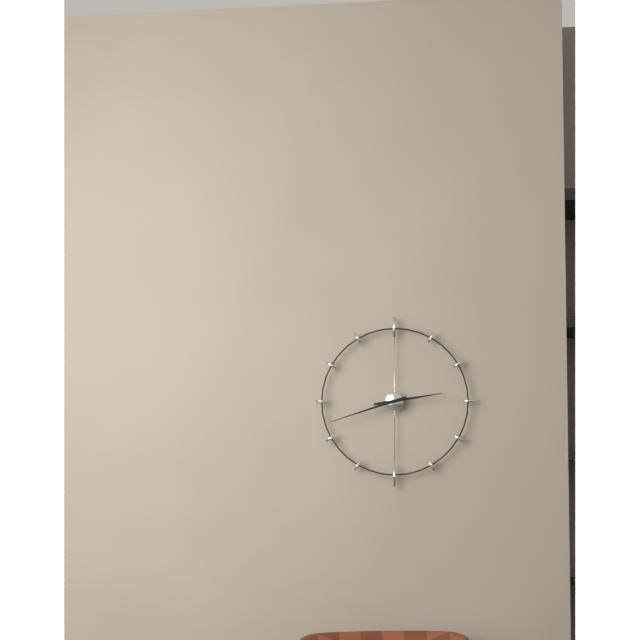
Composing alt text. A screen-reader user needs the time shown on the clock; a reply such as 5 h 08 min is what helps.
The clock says 2 h 42 min
